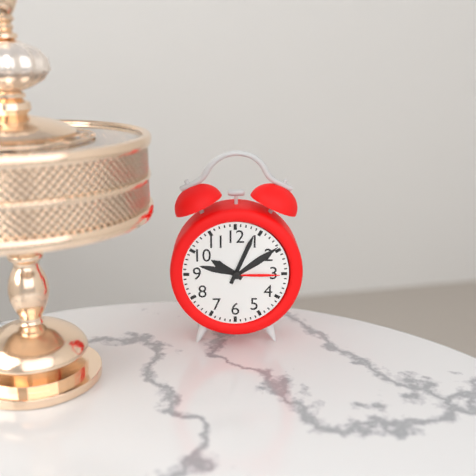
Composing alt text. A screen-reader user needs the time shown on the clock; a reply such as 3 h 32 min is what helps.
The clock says 10 h 04 min
